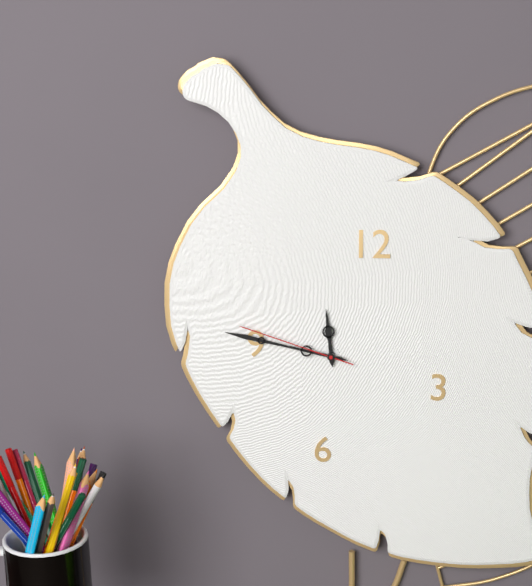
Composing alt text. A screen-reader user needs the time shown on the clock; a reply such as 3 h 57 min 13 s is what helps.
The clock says 11 h 47 min 48 s
